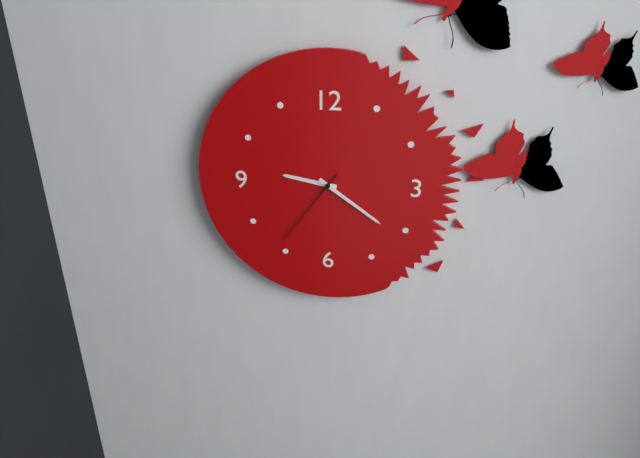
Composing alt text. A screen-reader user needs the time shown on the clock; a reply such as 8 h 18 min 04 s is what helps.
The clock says 9 h 21 min 36 s
